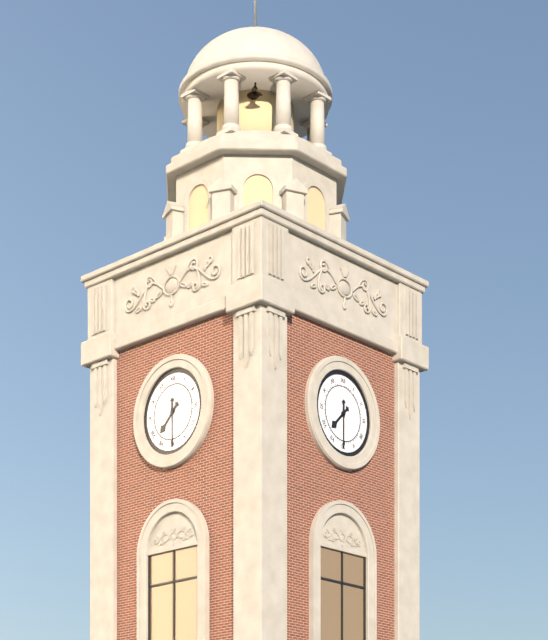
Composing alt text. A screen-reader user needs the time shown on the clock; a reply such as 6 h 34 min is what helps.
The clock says 7 h 30 min
